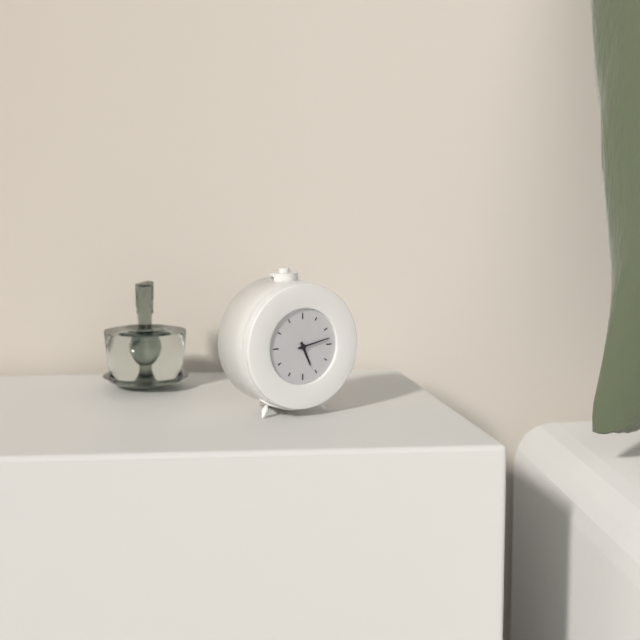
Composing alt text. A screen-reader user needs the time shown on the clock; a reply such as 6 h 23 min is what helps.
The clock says 5 h 13 min
